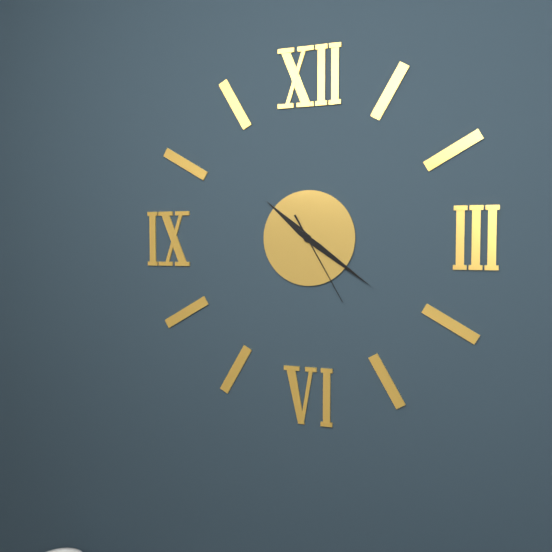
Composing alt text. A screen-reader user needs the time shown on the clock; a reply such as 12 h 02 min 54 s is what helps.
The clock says 10 h 21 min 25 s
